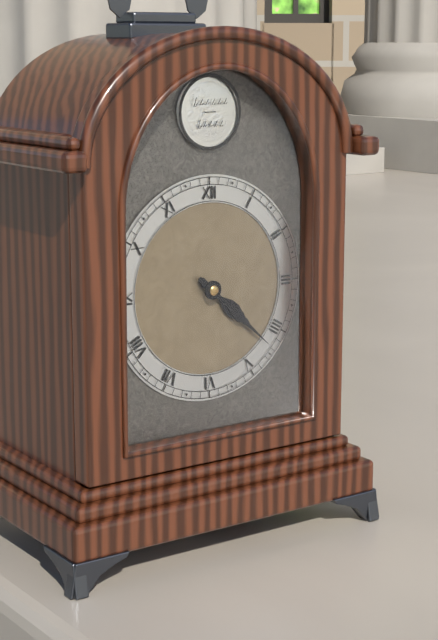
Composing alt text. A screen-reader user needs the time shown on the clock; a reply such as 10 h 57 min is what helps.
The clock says 4 h 22 min
